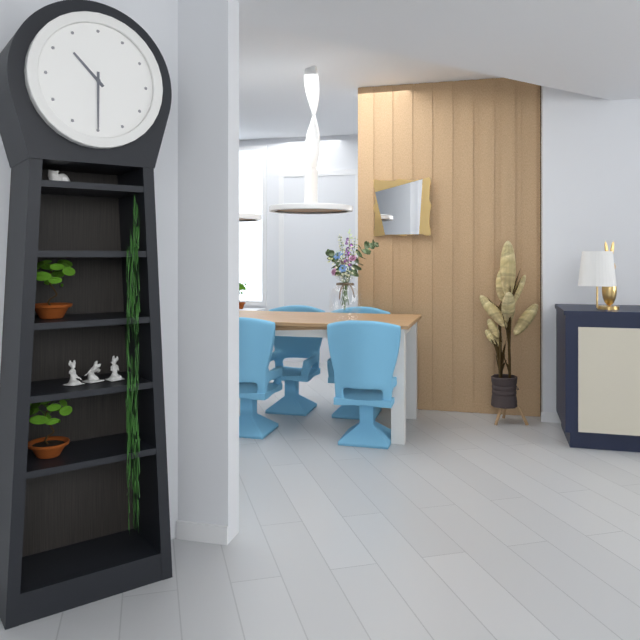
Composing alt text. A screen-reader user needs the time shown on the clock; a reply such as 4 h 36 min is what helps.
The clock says 10 h 30 min
